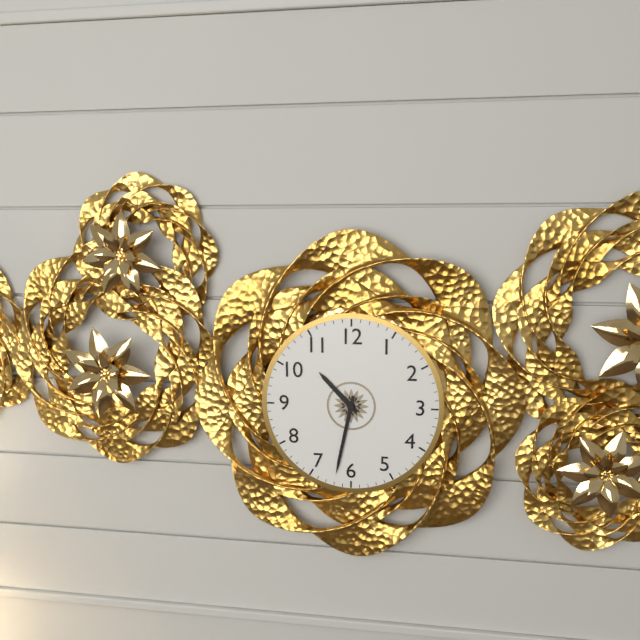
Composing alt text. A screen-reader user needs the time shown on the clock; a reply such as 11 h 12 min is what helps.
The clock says 10 h 32 min
